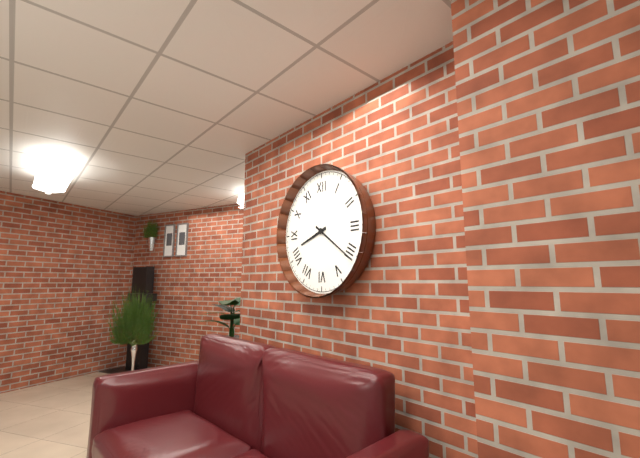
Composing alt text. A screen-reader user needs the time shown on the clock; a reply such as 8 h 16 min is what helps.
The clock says 8 h 21 min
